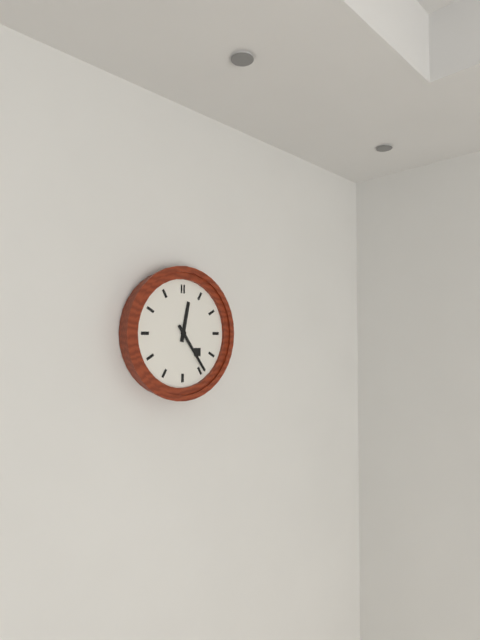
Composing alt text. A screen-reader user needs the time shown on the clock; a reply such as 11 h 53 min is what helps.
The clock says 12 h 24 min
